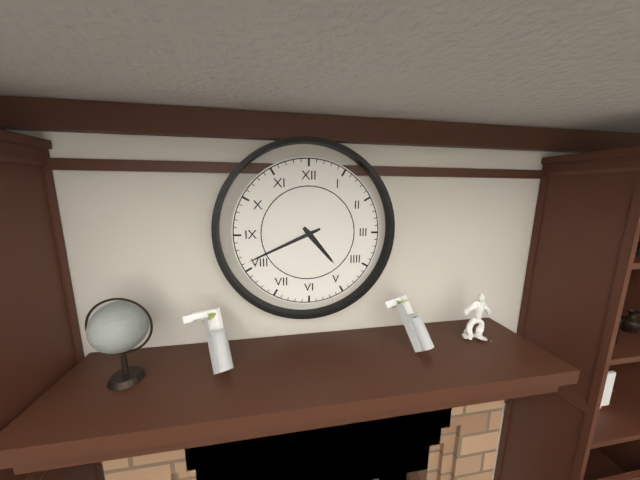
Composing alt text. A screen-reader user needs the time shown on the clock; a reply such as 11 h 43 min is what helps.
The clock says 4 h 41 min
